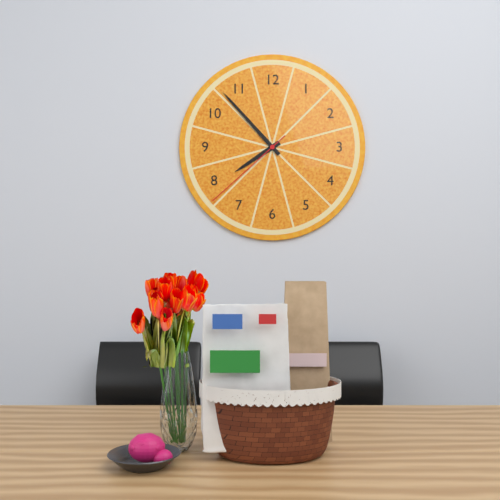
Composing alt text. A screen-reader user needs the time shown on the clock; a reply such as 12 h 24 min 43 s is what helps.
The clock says 7 h 53 min 38 s
